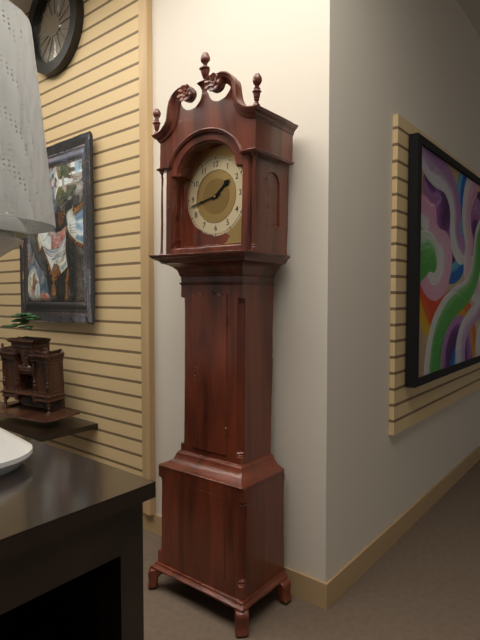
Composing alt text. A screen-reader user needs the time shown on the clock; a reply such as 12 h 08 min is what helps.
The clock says 1 h 43 min
